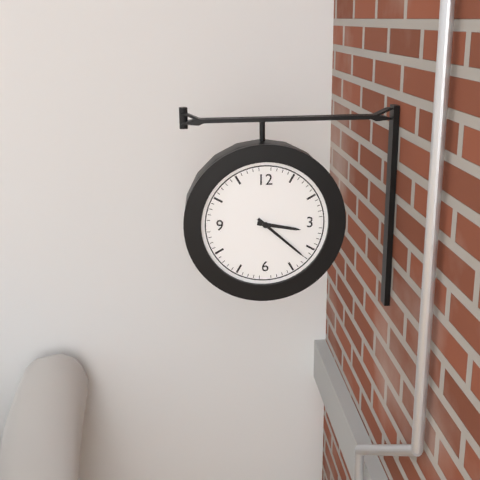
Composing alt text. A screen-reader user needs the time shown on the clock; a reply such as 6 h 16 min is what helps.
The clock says 3 h 22 min
